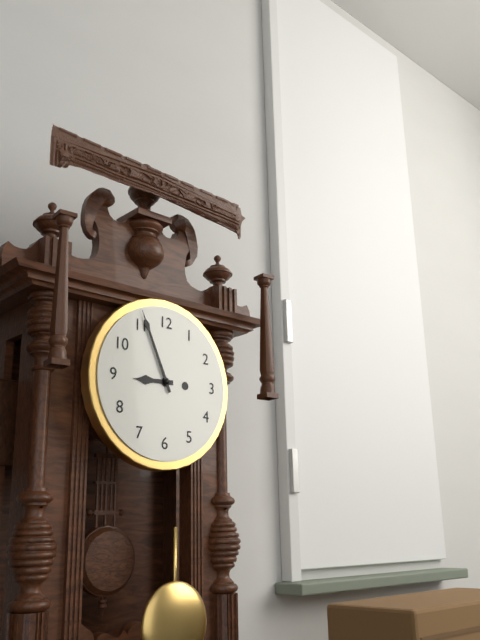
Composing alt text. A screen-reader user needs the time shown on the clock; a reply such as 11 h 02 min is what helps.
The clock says 8 h 56 min
